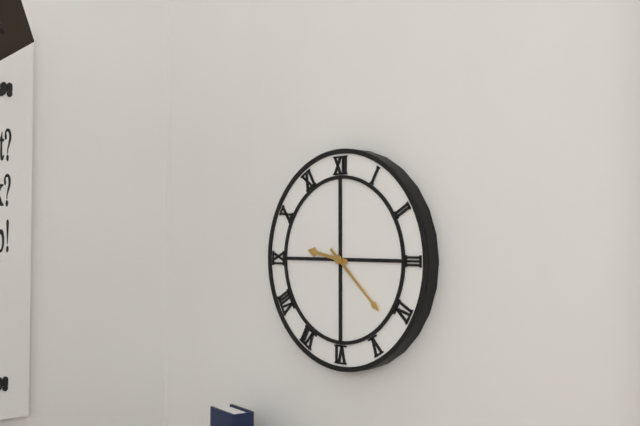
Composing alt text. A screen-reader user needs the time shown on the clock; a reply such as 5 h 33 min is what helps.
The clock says 9 h 22 min
